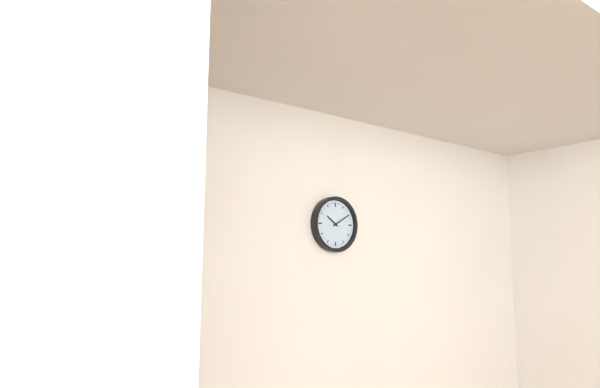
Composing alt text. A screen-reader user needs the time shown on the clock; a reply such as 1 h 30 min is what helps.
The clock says 10 h 10 min
